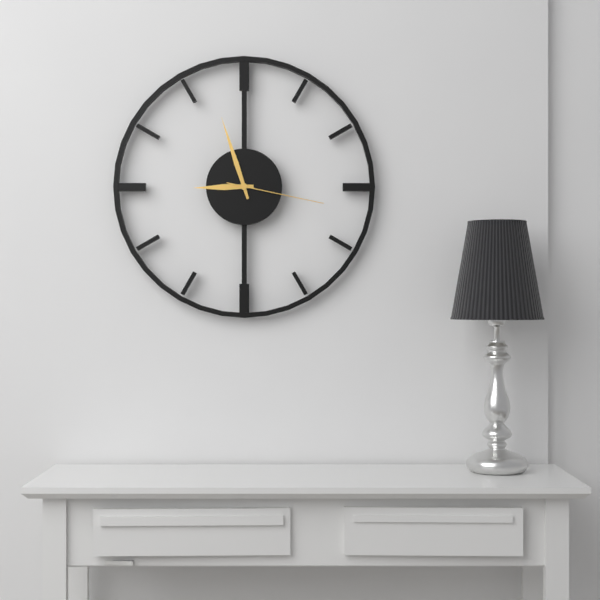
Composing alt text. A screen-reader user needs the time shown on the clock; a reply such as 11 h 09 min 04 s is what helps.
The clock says 8 h 57 min 17 s
